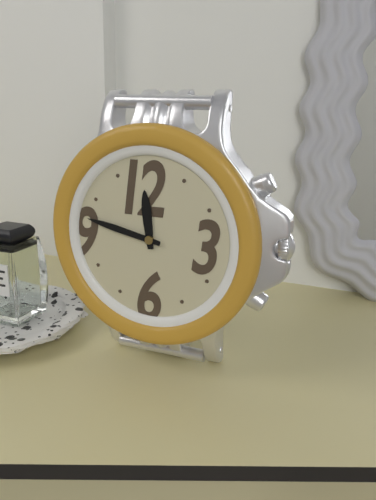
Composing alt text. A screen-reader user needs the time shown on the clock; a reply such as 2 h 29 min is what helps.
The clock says 11 h 47 min
